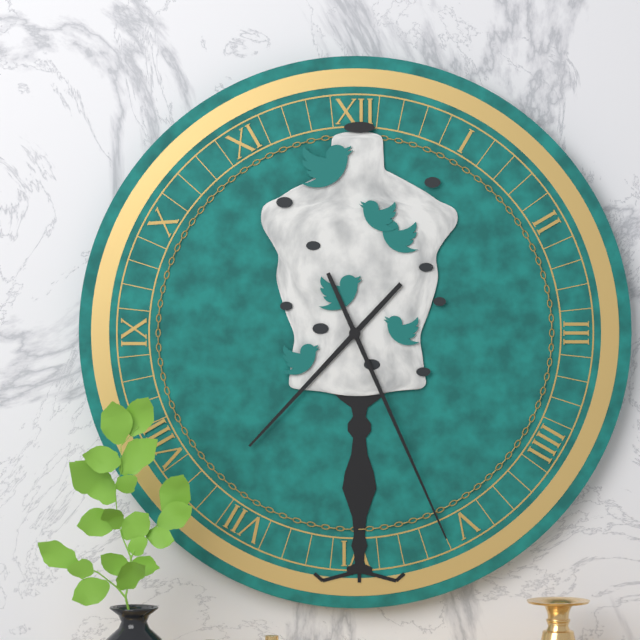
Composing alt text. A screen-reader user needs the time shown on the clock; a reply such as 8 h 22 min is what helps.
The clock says 7 h 26 min
